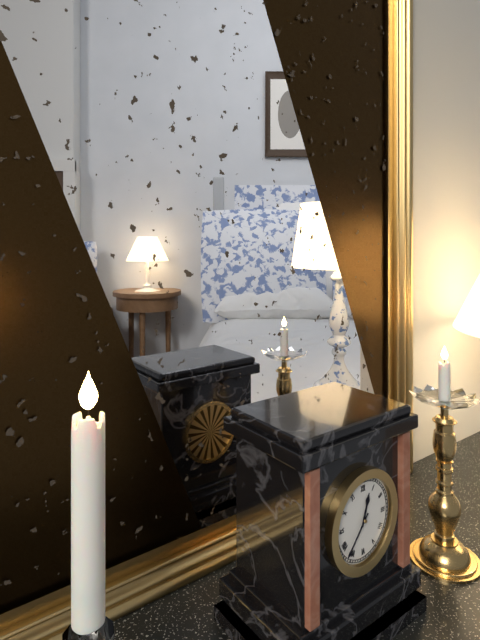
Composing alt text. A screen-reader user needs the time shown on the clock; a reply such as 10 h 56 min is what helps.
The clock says 12 h 37 min
